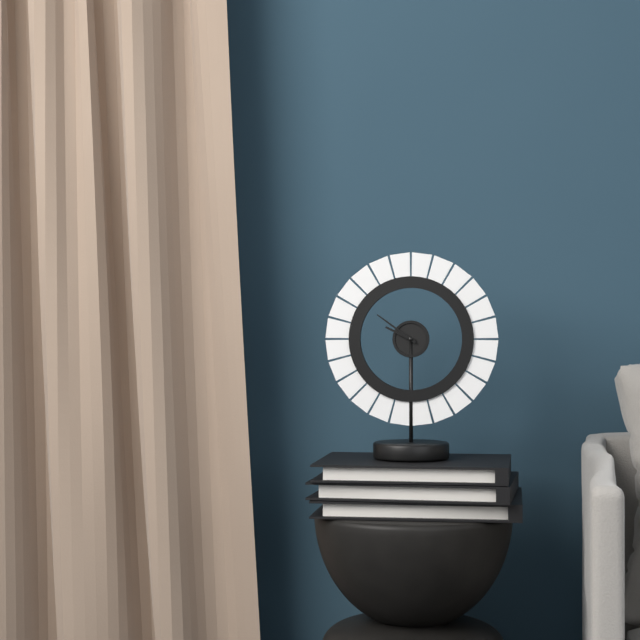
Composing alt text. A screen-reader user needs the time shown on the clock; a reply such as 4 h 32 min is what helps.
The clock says 9 h 51 min
